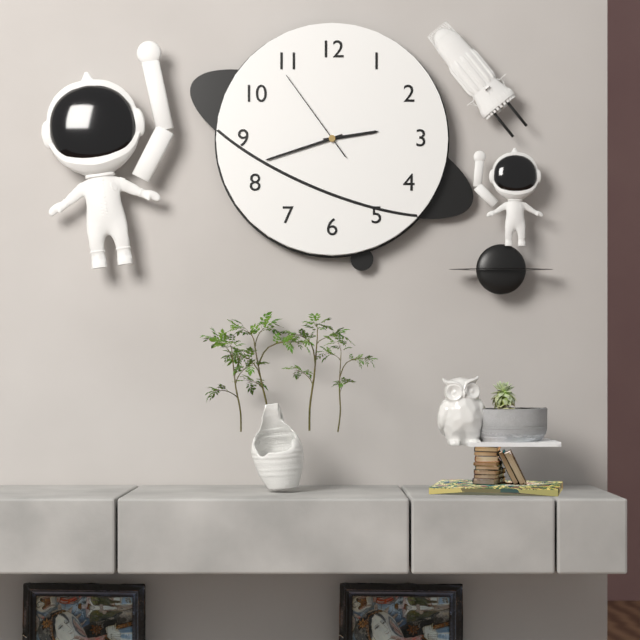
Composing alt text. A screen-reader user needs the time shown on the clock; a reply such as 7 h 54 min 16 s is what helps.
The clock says 2 h 42 min 54 s
